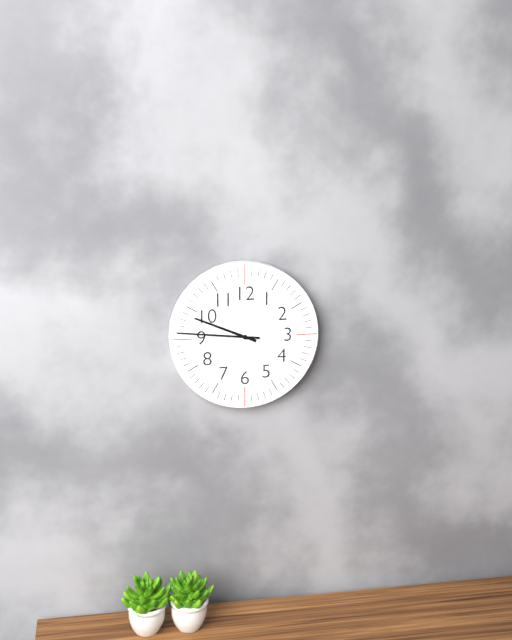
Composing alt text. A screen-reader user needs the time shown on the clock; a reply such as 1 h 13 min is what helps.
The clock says 9 h 46 min
